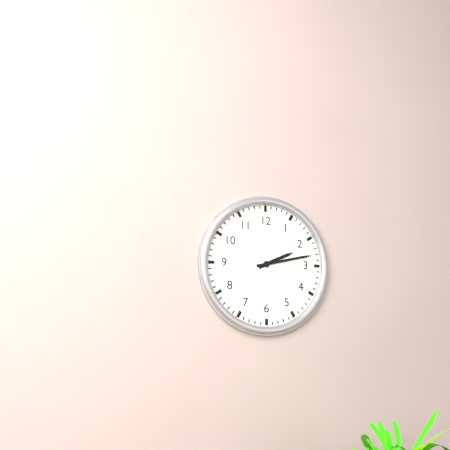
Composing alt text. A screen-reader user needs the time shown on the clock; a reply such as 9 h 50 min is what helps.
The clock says 2 h 13 min
